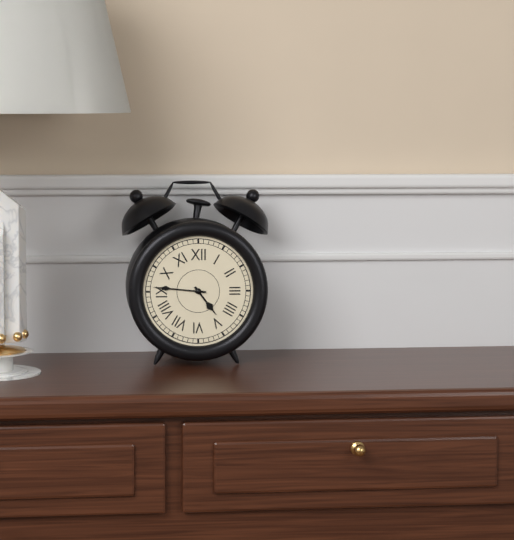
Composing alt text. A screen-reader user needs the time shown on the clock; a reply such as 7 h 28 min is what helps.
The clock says 4 h 46 min
